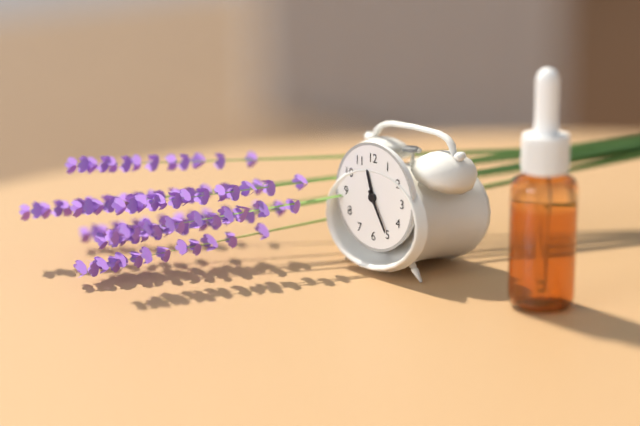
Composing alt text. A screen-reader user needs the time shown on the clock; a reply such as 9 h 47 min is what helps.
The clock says 11 h 25 min
